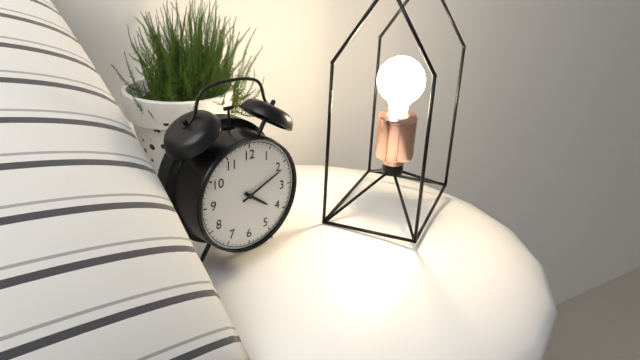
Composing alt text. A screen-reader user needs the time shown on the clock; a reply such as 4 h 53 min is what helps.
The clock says 4 h 11 min
